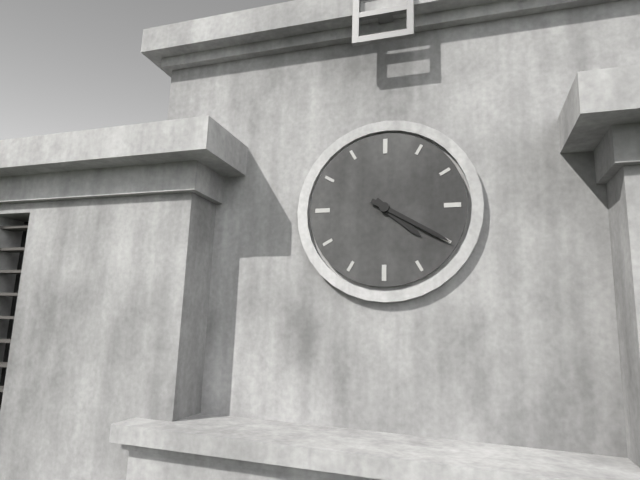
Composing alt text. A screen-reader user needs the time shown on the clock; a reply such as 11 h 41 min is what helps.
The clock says 4 h 20 min
